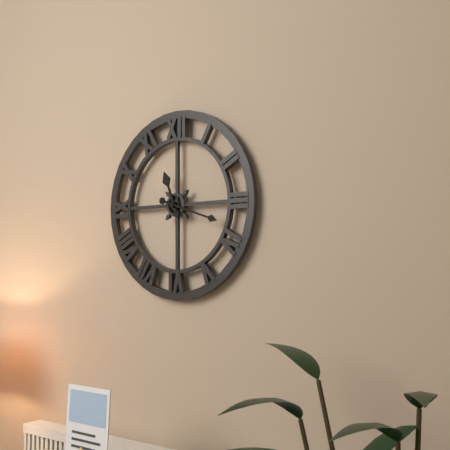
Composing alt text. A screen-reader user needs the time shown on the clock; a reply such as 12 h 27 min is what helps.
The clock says 11 h 18 min
